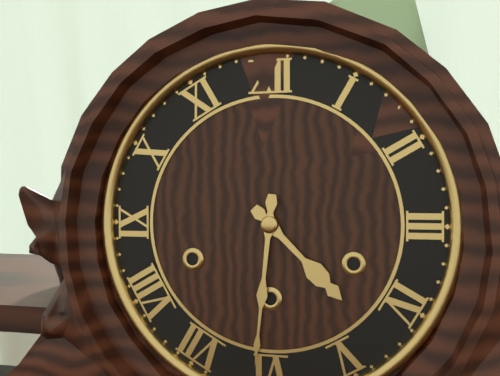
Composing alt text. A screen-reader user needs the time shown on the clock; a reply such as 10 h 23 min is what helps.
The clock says 4 h 31 min
